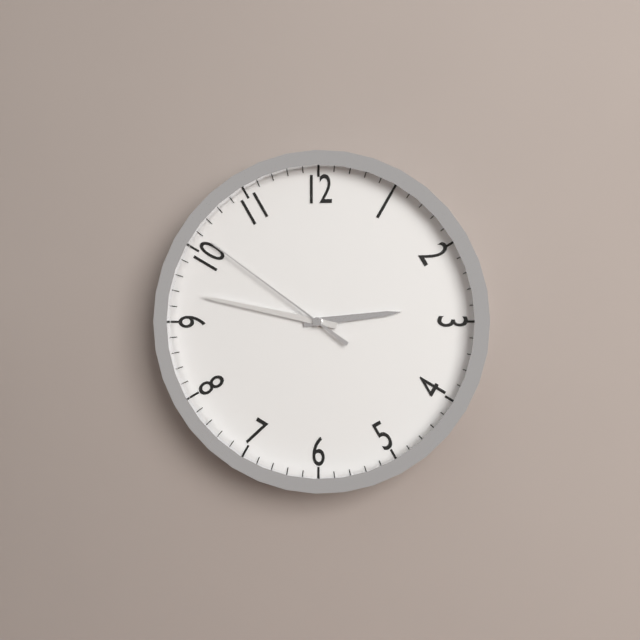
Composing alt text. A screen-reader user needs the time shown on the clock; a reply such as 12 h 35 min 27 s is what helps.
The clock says 2 h 47 min 51 s
